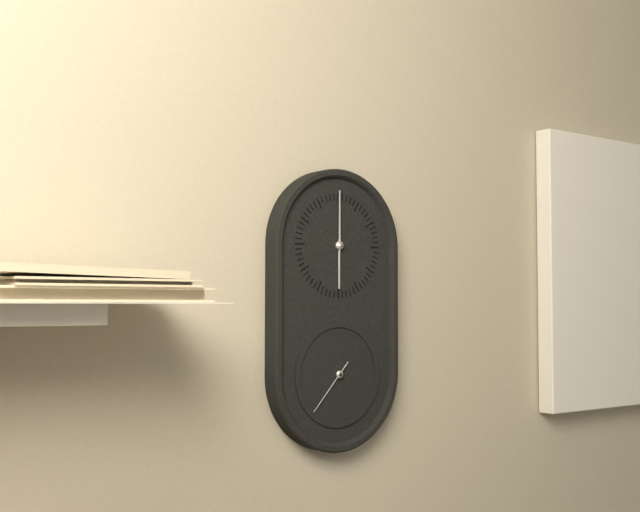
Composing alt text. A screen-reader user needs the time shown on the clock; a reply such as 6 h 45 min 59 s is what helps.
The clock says 6 h 00 min 37 s
